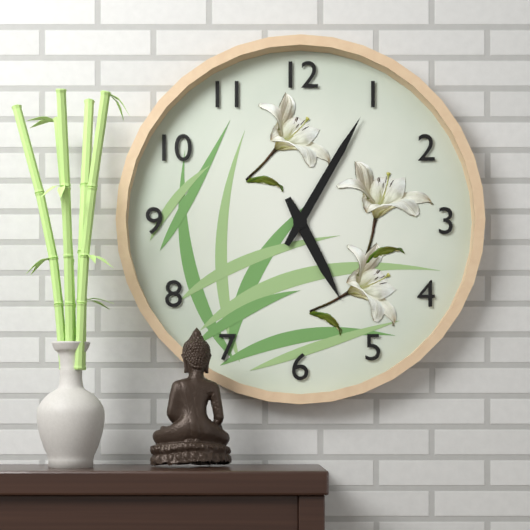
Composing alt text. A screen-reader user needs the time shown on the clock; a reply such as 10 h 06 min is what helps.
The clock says 5 h 05 min
